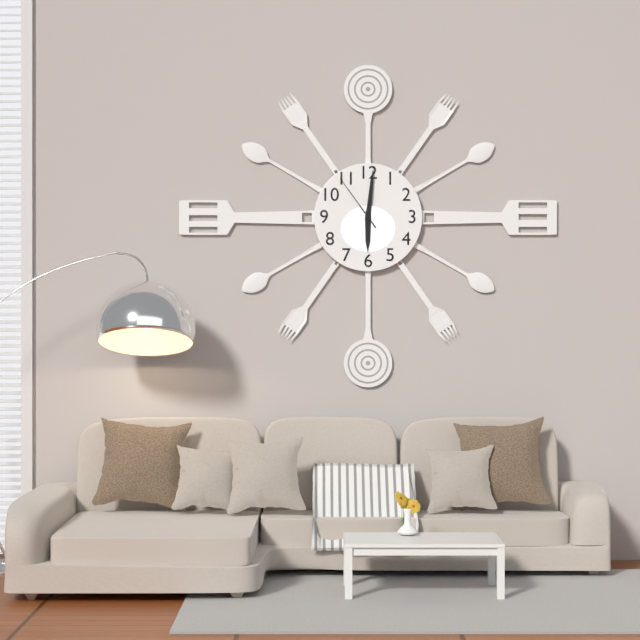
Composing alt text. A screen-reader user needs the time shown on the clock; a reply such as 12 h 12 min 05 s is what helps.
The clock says 6 h 01 min 54 s
